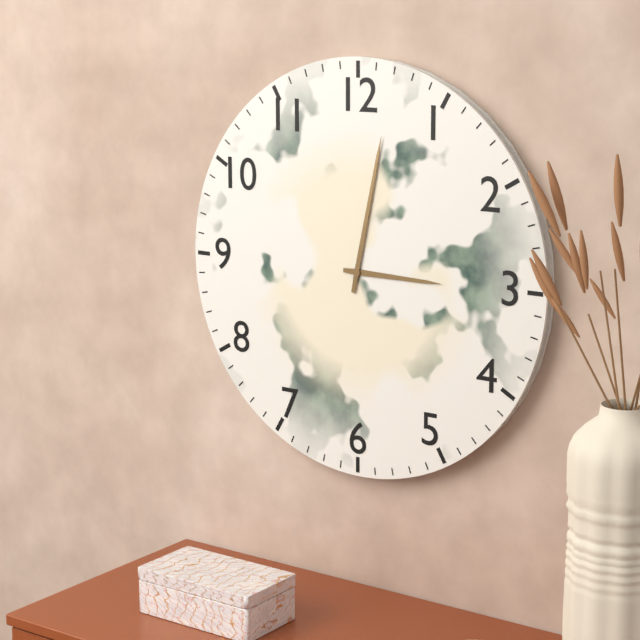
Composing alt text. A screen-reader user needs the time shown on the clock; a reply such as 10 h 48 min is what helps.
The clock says 3 h 02 min
